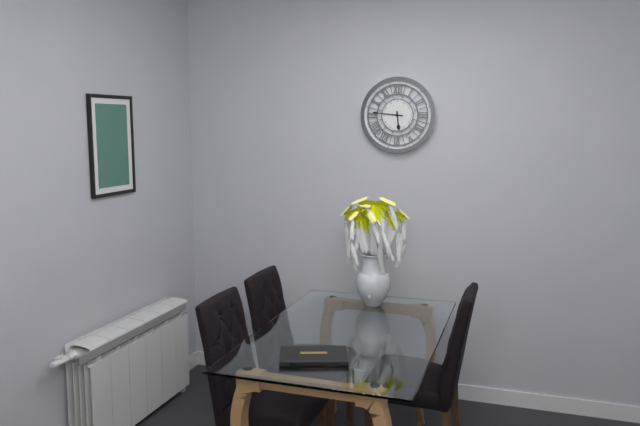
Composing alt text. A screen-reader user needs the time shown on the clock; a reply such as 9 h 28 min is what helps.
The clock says 5 h 46 min
